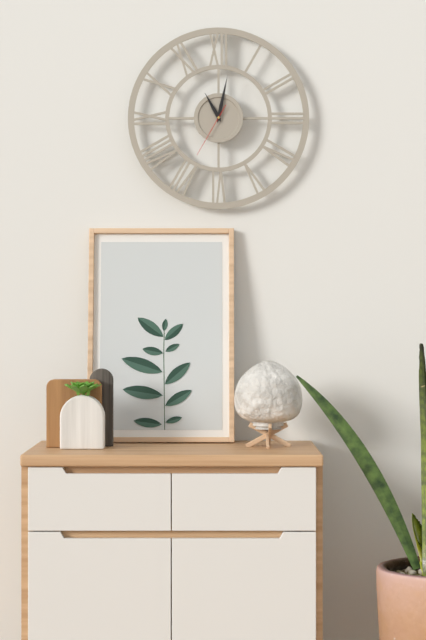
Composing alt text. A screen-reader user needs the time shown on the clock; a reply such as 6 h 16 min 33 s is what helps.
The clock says 11 h 02 min 35 s
